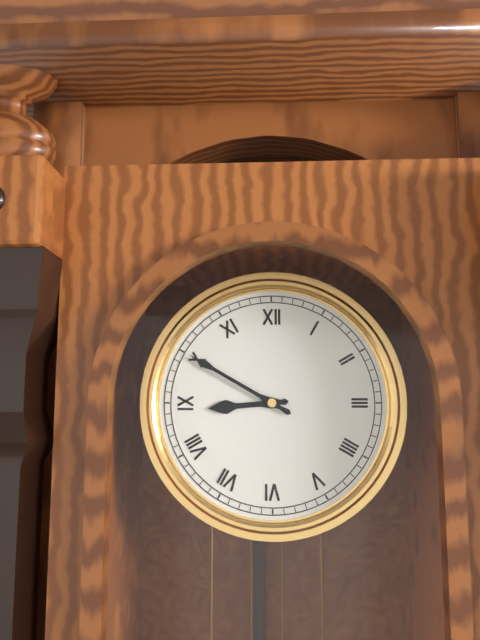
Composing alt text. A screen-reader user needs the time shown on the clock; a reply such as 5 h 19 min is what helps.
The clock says 8 h 50 min
